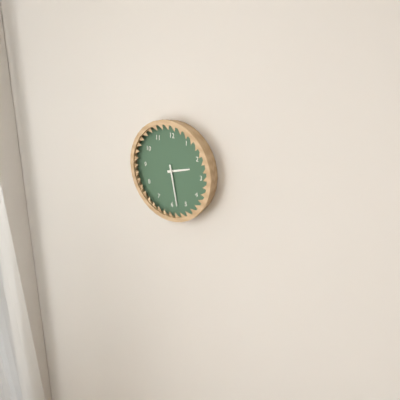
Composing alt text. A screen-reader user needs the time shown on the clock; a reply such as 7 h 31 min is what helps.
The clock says 2 h 28 min
